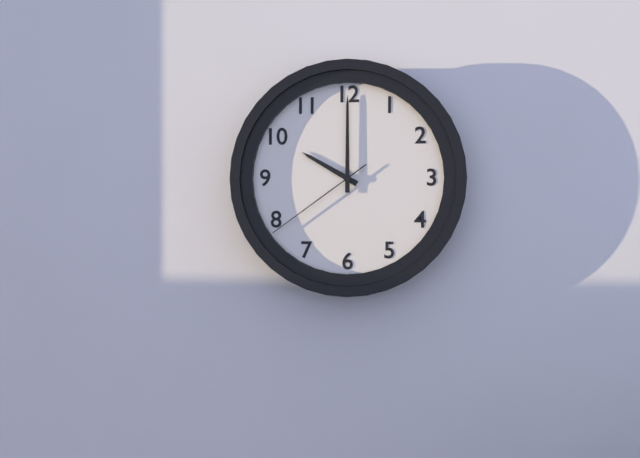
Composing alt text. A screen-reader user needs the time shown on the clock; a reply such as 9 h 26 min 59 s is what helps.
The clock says 10 h 00 min 39 s
